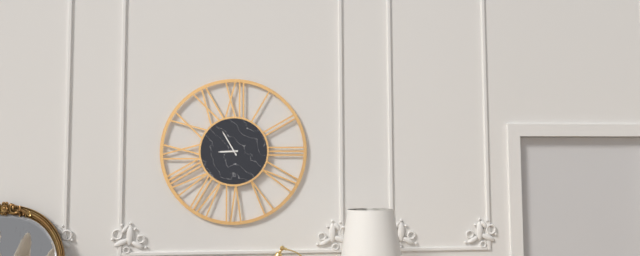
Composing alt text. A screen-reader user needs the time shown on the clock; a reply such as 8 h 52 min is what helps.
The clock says 8 h 55 min
